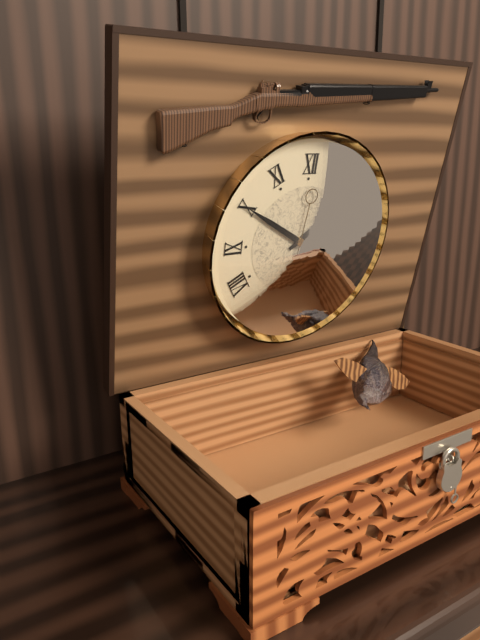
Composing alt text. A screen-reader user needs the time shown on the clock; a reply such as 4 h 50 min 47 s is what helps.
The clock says 1 h 50 min 31 s
